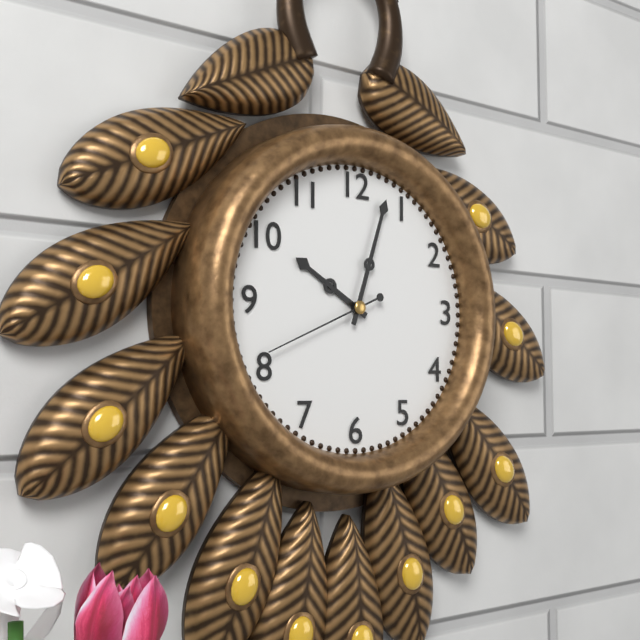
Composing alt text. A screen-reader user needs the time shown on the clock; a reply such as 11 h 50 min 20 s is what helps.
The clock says 10 h 03 min 41 s
